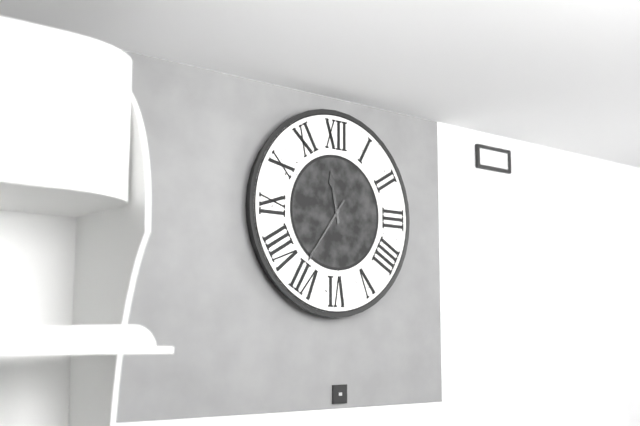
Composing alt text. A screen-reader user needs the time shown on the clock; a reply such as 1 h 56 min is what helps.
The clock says 11 h 36 min
